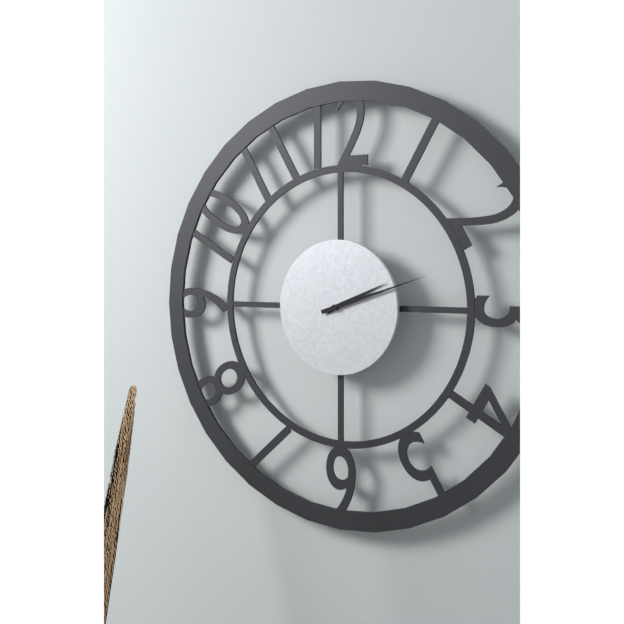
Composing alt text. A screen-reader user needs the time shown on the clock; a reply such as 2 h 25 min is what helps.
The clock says 2 h 12 min
